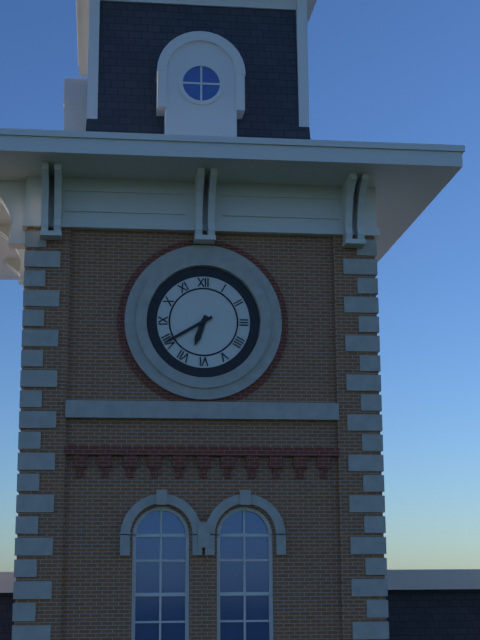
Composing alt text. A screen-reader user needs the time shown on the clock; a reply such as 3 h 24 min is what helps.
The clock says 6 h 40 min
